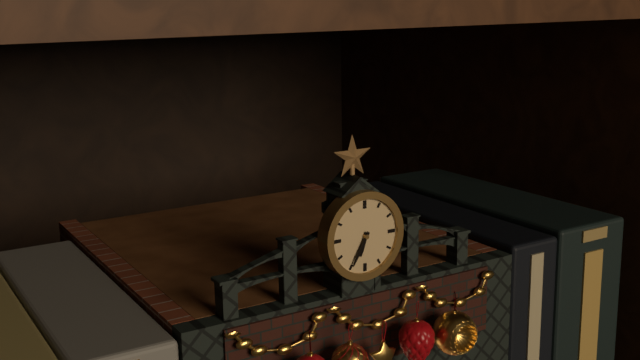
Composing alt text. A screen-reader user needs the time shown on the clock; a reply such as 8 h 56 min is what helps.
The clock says 6 h 35 min
